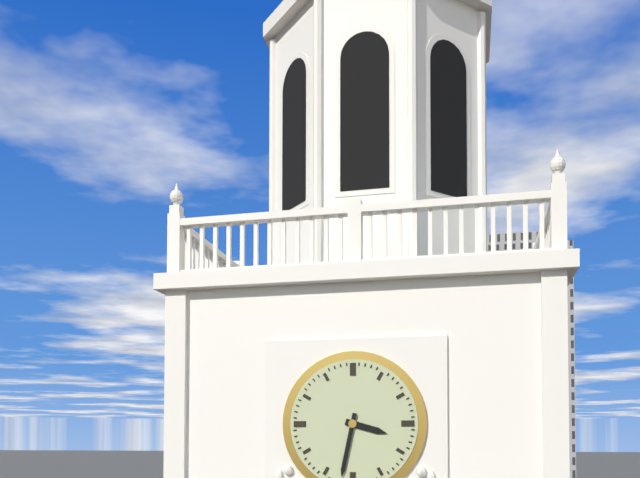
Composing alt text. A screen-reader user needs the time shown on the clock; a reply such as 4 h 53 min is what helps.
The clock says 3 h 32 min
